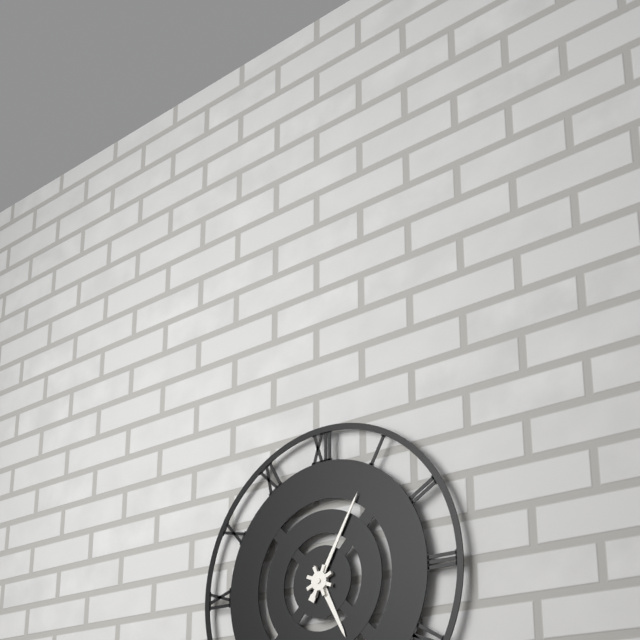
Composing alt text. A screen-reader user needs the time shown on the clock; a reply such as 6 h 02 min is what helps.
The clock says 5 h 05 min
